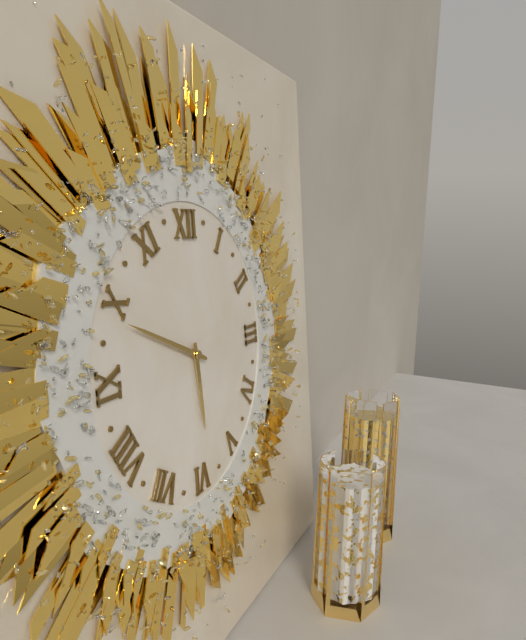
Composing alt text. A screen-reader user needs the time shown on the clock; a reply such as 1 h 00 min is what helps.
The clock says 5 h 49 min
